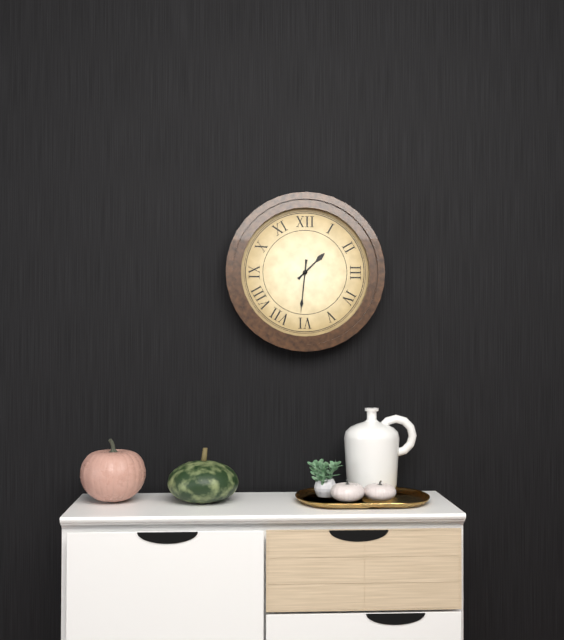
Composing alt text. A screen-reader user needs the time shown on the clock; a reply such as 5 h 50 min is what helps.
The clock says 1 h 31 min
